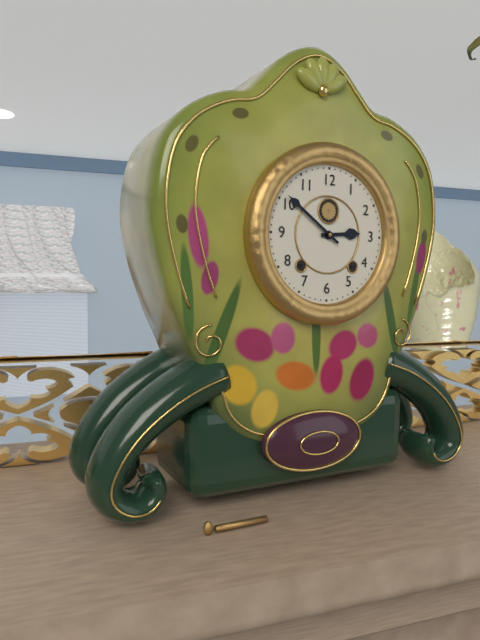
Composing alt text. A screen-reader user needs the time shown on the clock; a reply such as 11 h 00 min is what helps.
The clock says 2 h 51 min
